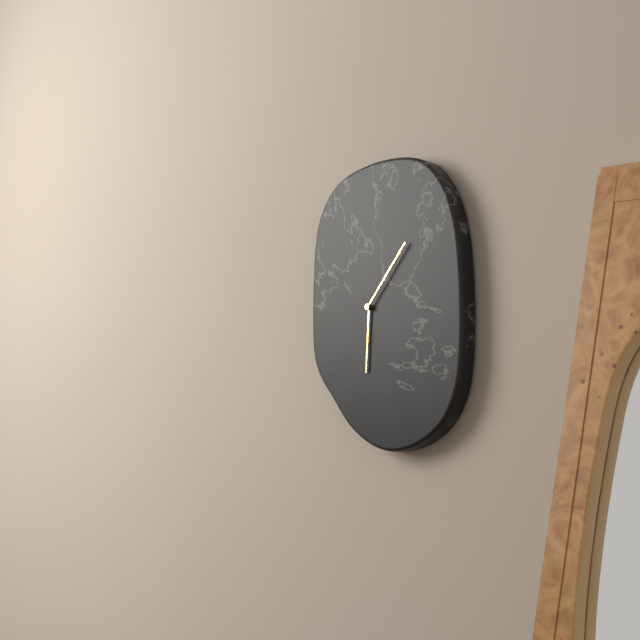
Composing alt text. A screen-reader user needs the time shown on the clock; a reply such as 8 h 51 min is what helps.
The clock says 6 h 07 min
